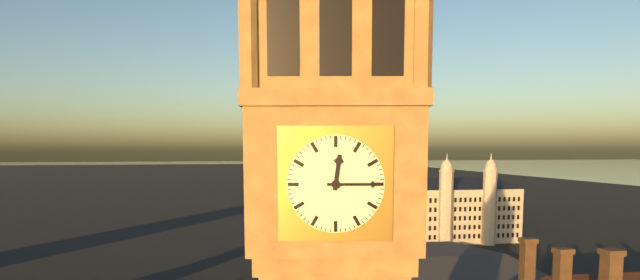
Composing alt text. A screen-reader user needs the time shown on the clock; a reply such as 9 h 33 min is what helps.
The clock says 12 h 15 min
